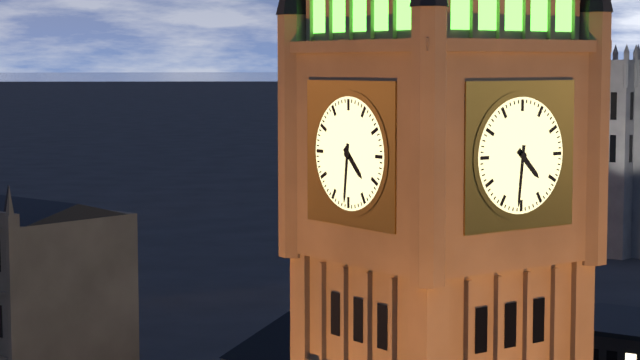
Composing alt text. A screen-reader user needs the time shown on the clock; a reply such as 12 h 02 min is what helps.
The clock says 4 h 31 min
